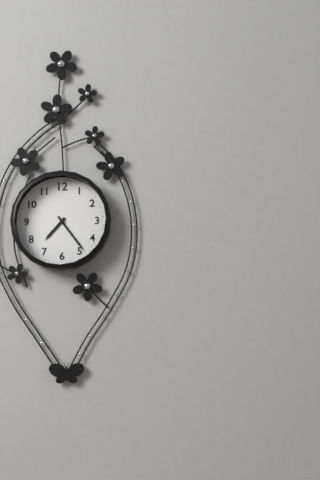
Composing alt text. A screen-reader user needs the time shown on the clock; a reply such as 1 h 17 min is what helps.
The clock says 7 h 24 min
